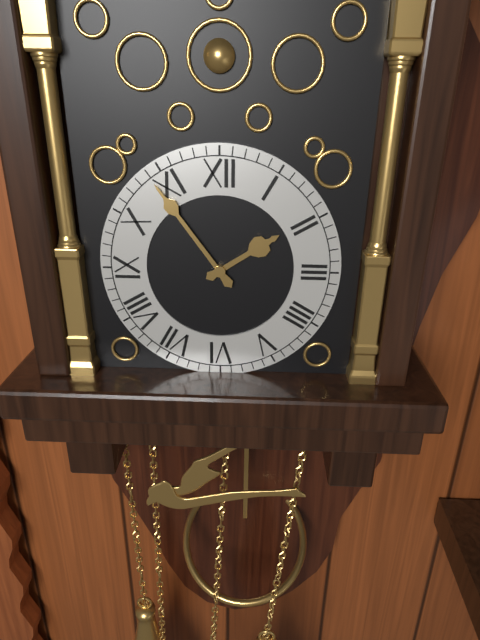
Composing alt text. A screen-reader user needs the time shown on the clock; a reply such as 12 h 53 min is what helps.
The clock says 1 h 54 min
